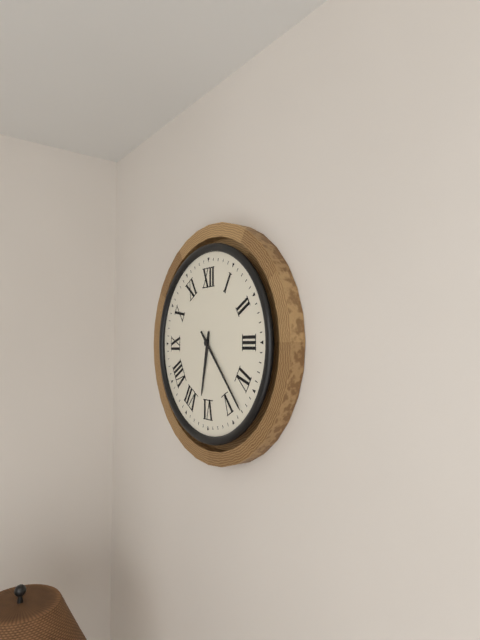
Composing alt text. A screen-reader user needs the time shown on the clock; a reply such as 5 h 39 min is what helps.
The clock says 6 h 23 min
